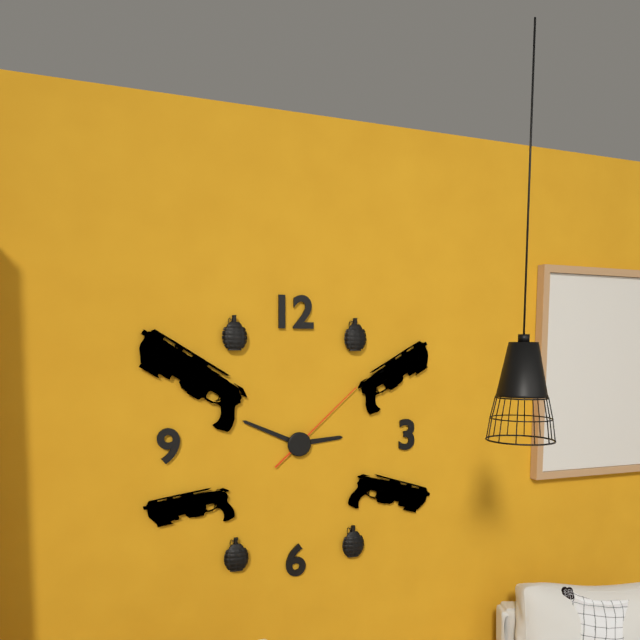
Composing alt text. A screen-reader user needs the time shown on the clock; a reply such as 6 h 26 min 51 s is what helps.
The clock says 2 h 49 min 08 s
